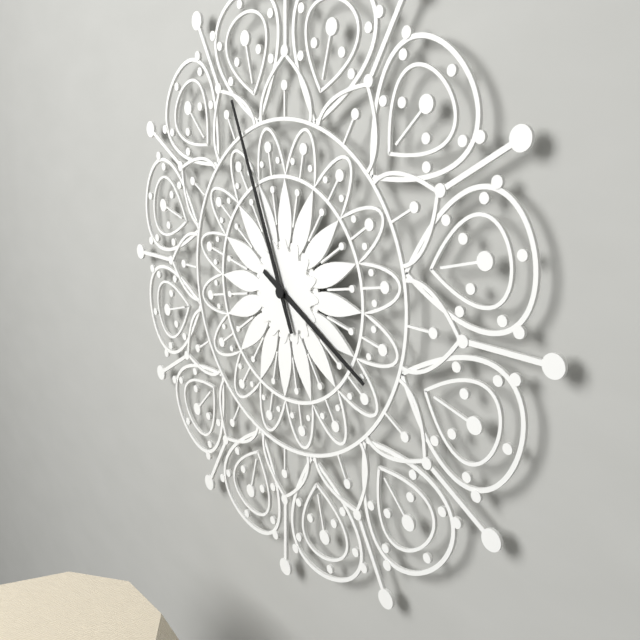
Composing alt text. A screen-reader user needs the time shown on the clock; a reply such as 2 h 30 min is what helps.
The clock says 3 h 56 min
